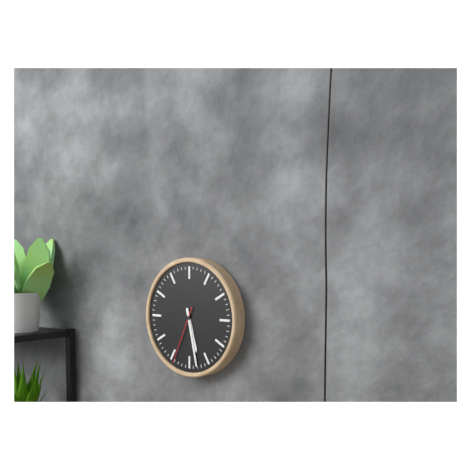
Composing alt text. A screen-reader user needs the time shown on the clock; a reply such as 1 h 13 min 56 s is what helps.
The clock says 5 h 28 min 34 s
